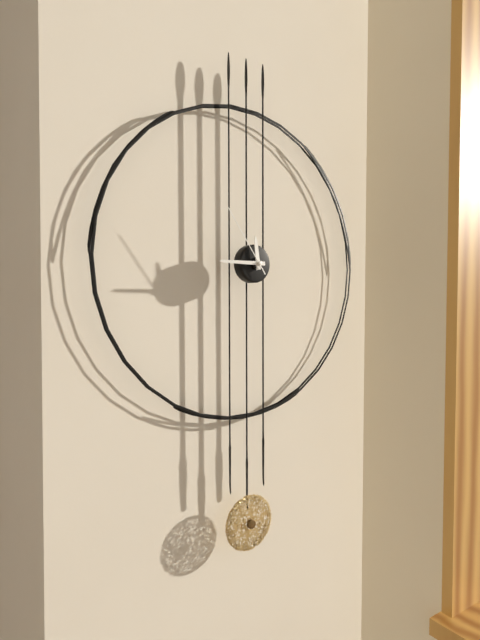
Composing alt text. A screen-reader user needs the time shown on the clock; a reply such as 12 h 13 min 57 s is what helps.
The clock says 11 h 45 min 54 s
